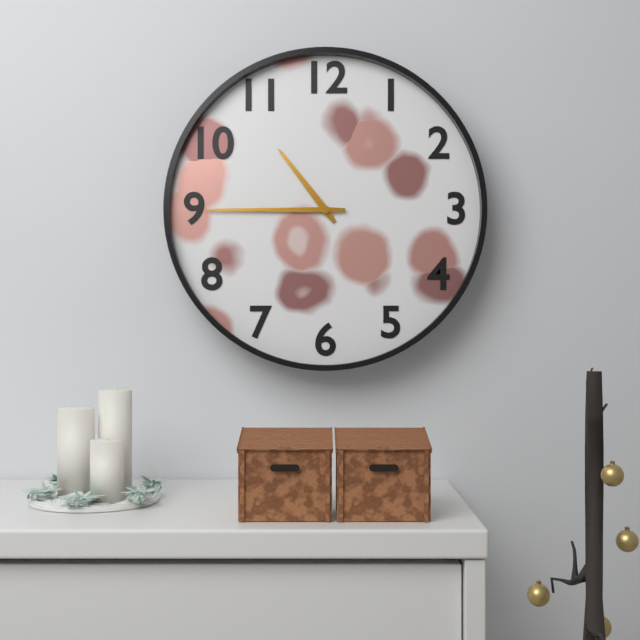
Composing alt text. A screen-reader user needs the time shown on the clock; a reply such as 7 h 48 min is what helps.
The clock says 10 h 45 min
